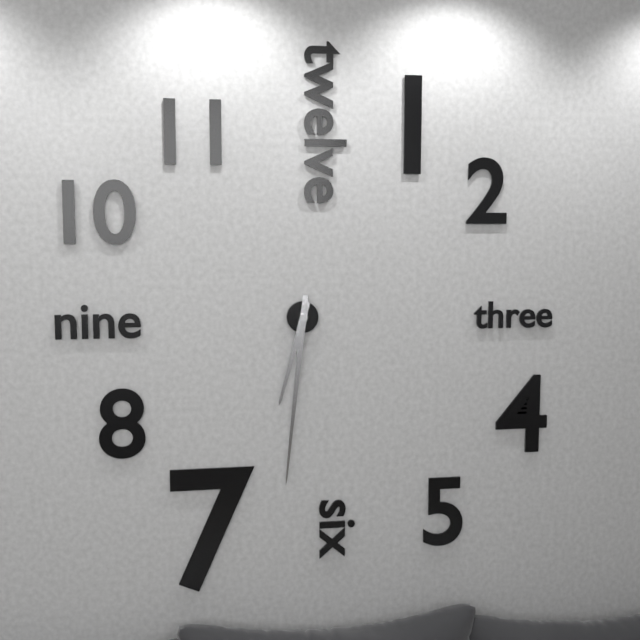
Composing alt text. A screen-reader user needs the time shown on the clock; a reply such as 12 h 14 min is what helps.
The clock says 6 h 31 min
